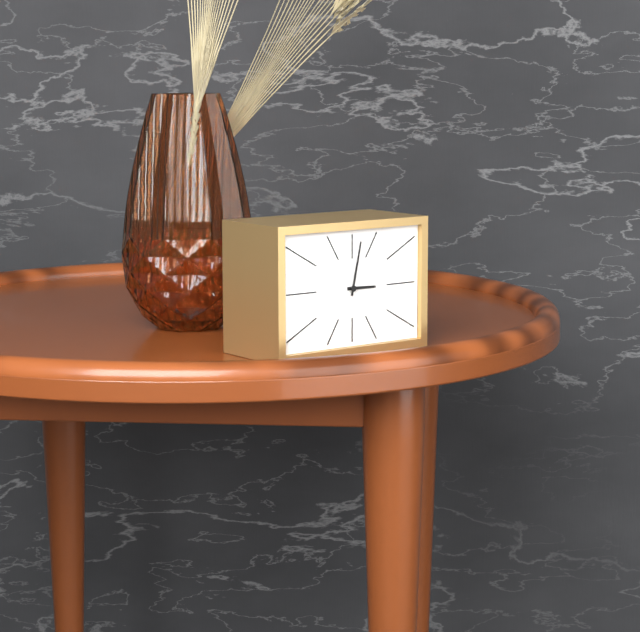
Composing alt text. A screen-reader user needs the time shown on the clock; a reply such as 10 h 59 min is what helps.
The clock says 3 h 02 min
